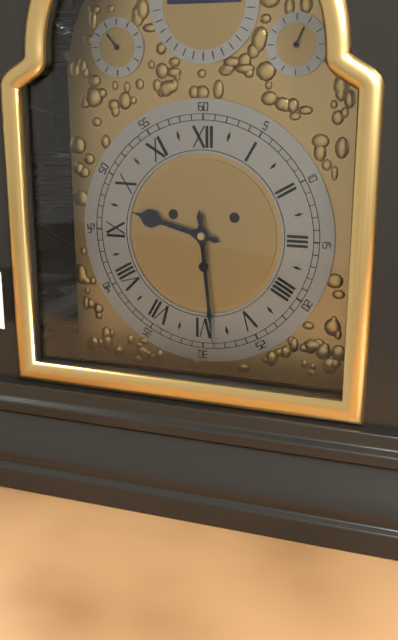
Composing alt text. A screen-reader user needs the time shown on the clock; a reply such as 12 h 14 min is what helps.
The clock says 9 h 29 min
